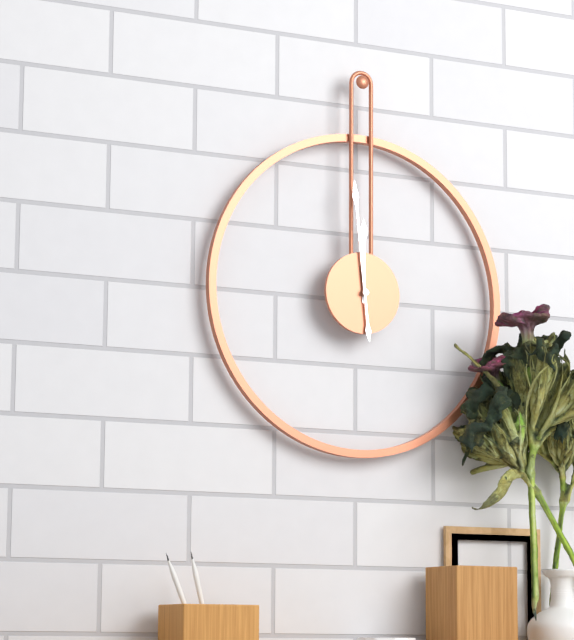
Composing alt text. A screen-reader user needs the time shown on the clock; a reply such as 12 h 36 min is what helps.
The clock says 11 h 59 min
